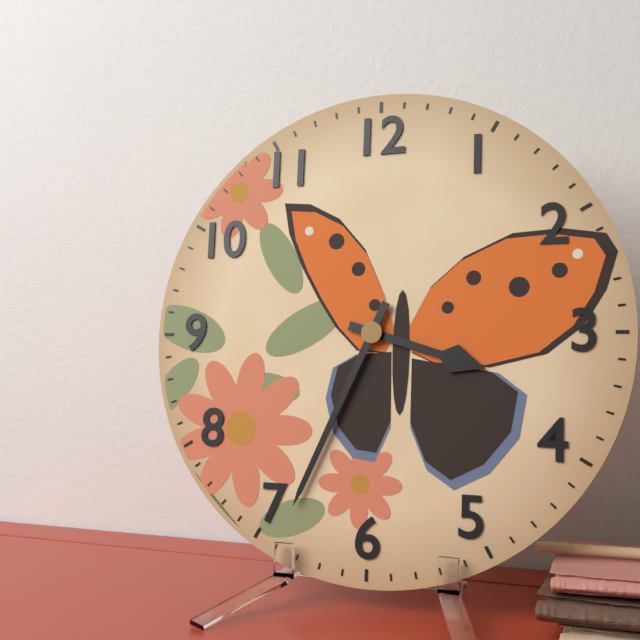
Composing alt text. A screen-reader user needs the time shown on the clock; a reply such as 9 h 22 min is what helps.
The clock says 3 h 34 min
